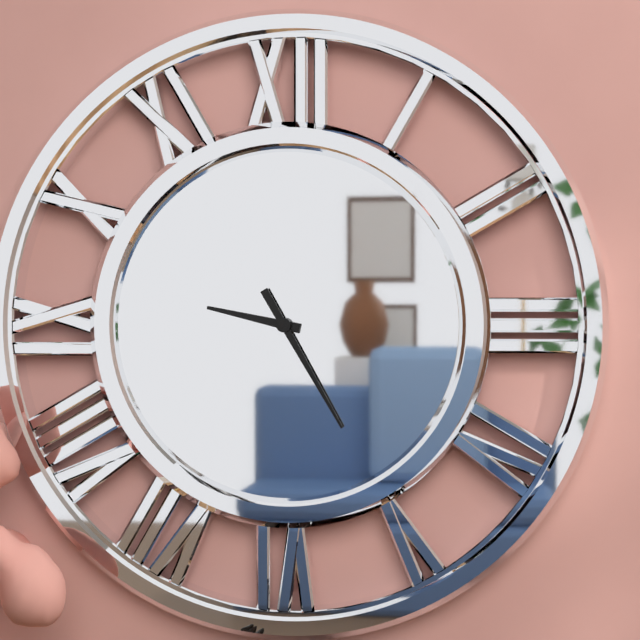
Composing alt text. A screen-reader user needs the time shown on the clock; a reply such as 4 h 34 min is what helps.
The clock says 9 h 25 min
